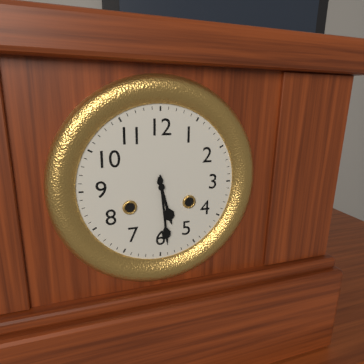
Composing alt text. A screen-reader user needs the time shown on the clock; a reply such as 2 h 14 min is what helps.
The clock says 5 h 29 min
